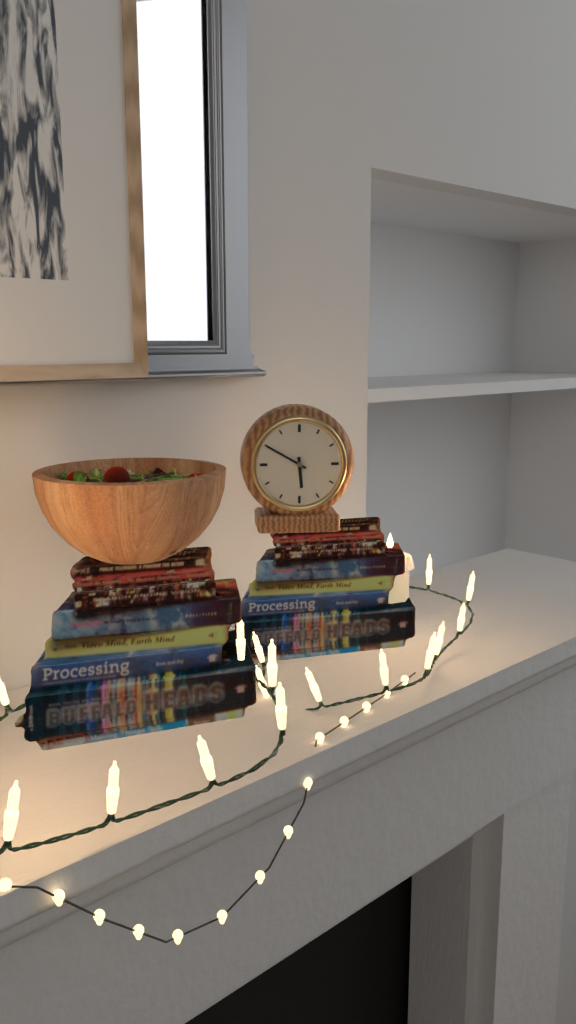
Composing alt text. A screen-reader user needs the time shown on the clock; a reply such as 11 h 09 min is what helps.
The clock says 5 h 50 min
